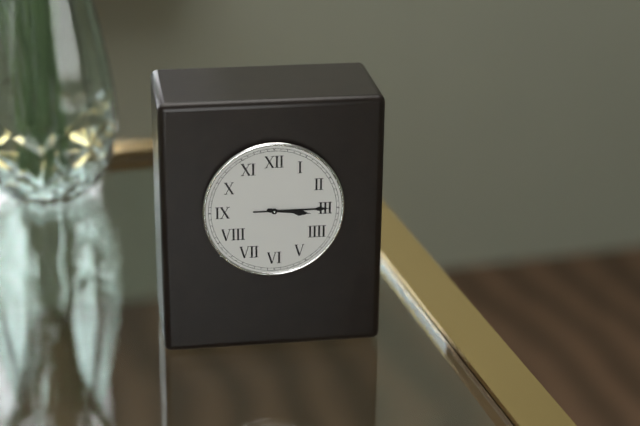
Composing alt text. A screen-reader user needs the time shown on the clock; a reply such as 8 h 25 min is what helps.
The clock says 3 h 15 min
